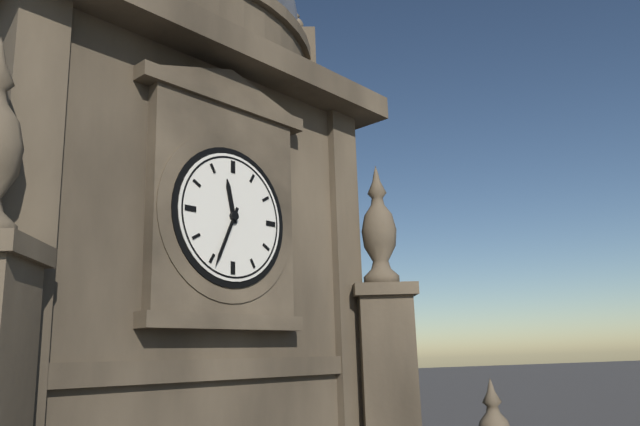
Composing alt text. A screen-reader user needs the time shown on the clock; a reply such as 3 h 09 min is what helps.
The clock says 11 h 34 min
